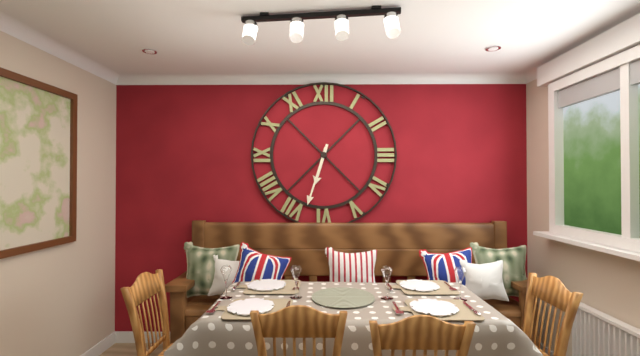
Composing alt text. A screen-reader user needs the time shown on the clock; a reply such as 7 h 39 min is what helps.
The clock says 6 h 33 min
